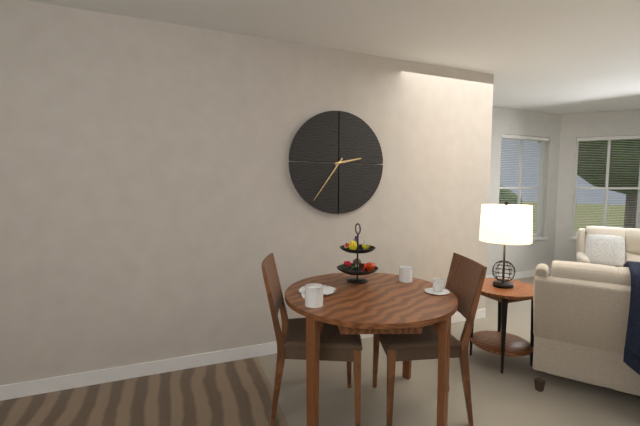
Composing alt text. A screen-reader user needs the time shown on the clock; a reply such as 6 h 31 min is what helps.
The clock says 2 h 36 min
